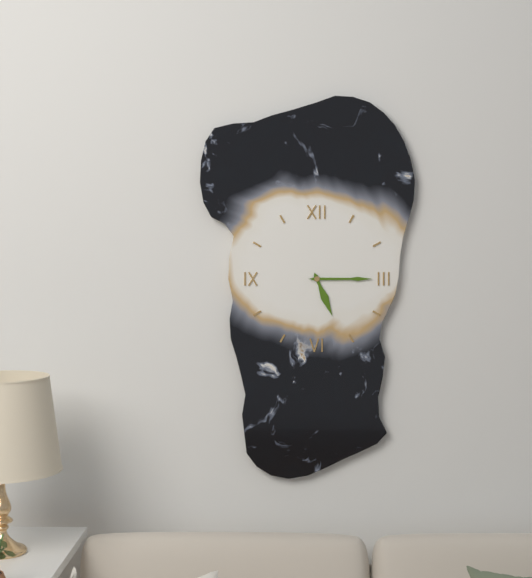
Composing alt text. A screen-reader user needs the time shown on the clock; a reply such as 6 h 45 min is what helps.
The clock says 5 h 15 min
